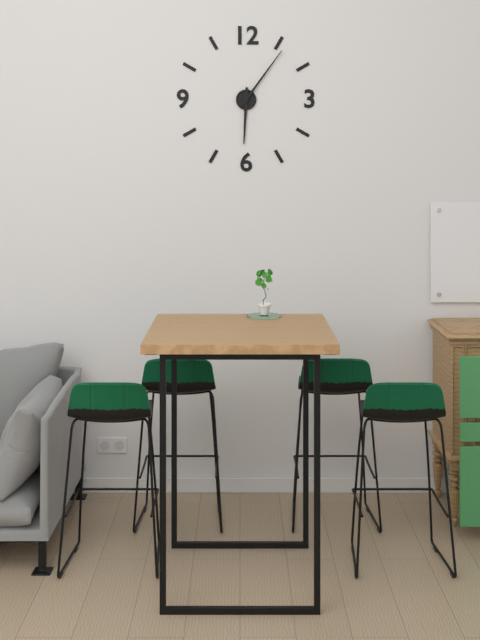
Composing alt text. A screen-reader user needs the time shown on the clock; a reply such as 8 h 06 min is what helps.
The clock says 6 h 06 min
